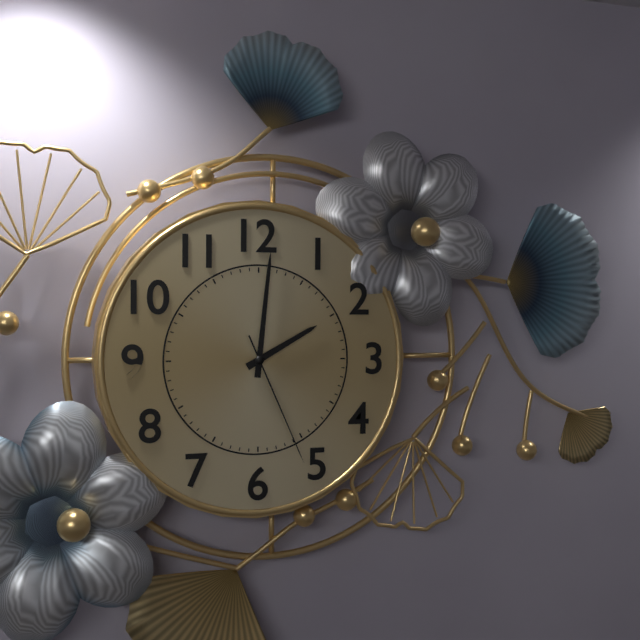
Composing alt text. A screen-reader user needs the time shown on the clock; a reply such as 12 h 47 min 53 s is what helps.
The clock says 2 h 01 min 26 s
